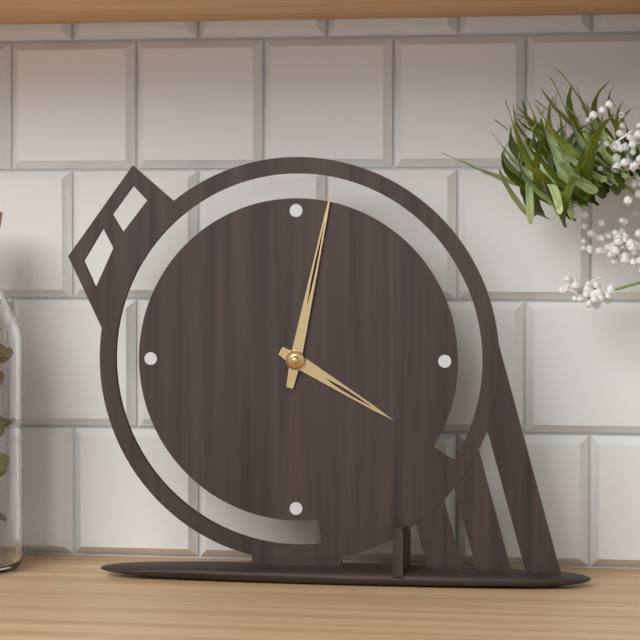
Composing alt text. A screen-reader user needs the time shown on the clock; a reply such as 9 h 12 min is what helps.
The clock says 4 h 02 min
